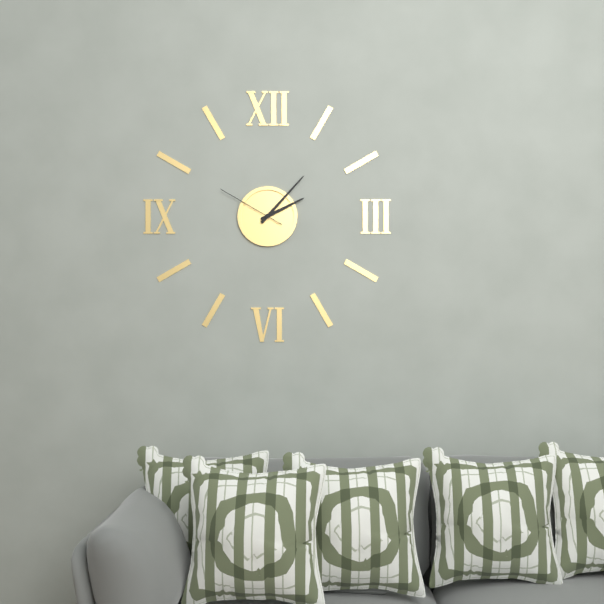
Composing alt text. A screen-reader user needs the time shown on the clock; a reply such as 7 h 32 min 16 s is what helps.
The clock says 2 h 07 min 50 s
